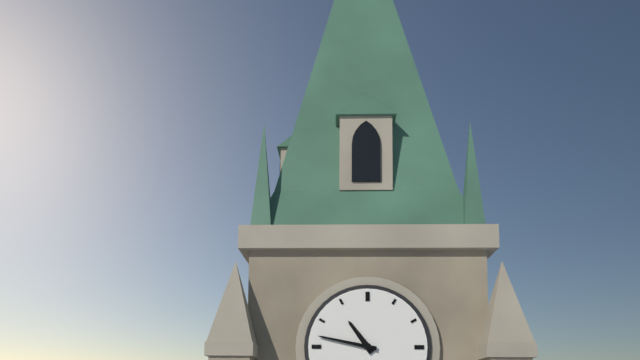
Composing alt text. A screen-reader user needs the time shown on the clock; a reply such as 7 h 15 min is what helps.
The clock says 10 h 47 min
